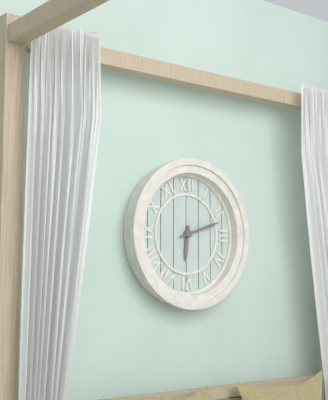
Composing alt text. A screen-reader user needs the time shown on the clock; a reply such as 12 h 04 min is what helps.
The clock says 6 h 12 min
